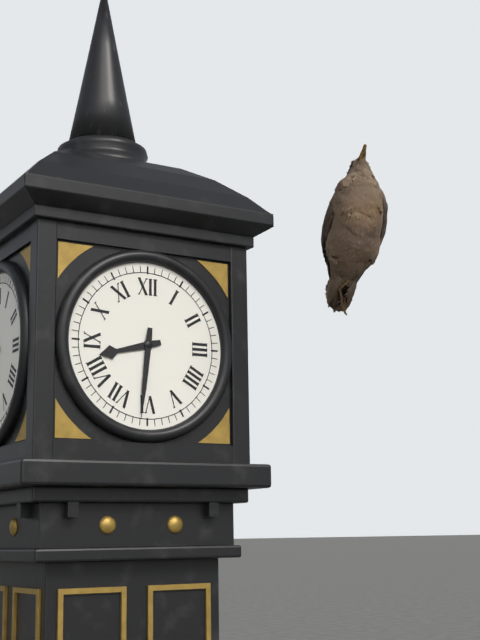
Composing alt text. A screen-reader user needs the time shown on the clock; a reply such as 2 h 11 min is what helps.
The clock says 8 h 31 min
